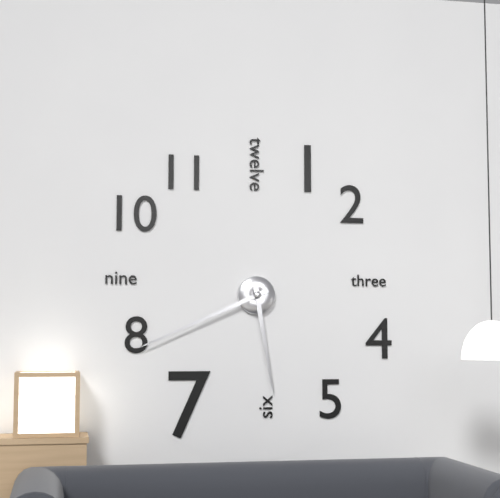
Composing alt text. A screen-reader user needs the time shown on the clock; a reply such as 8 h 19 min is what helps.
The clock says 5 h 41 min
